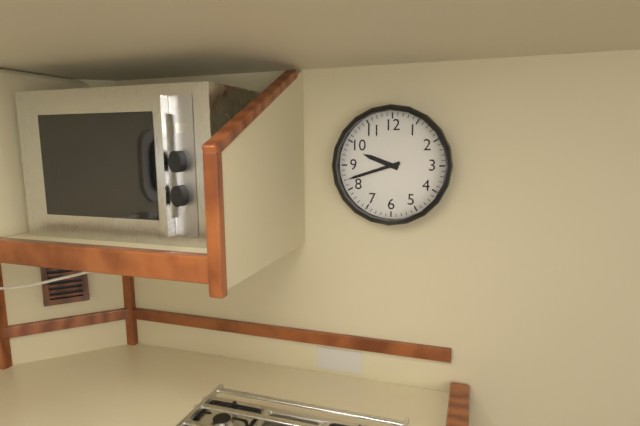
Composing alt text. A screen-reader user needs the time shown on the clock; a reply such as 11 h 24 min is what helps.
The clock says 9 h 42 min
